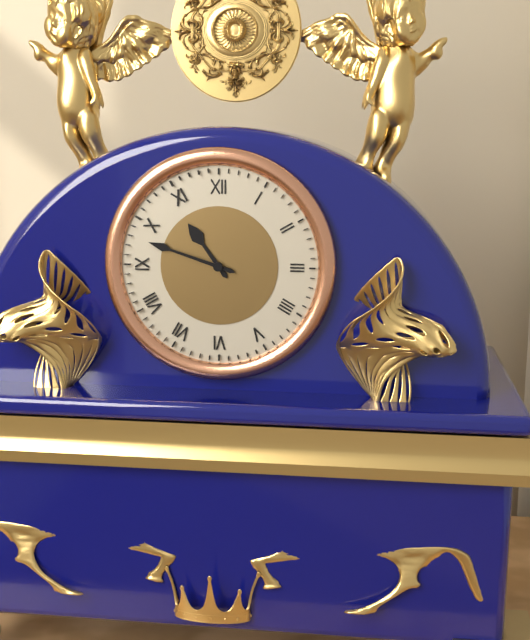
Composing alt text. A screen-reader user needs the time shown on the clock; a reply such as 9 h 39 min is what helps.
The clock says 10 h 48 min
